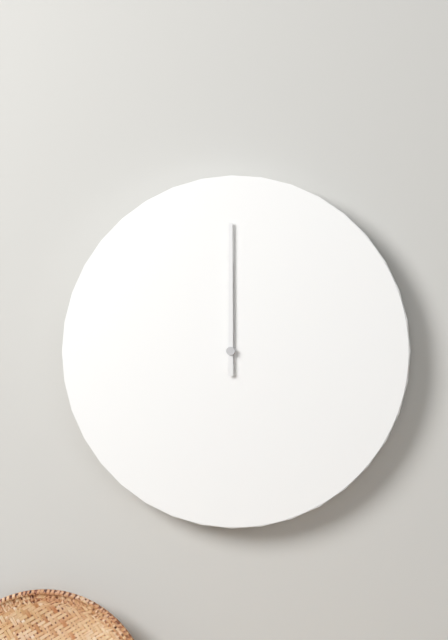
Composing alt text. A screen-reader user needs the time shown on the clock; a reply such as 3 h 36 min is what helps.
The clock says 12 h 00 min
